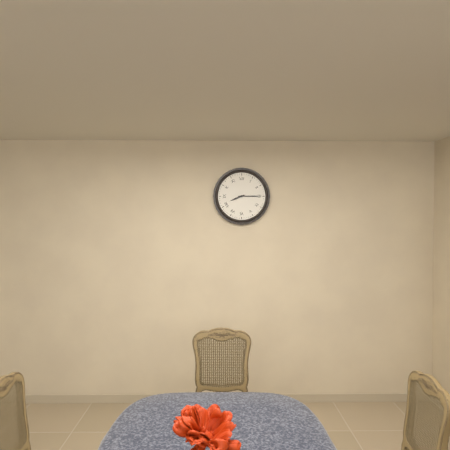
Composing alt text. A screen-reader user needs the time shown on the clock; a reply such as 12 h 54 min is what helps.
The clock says 8 h 15 min
